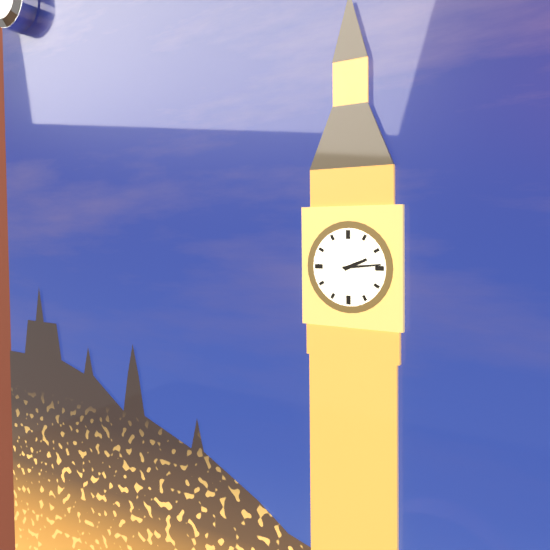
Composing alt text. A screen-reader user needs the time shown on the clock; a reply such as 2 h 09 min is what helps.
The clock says 2 h 14 min
